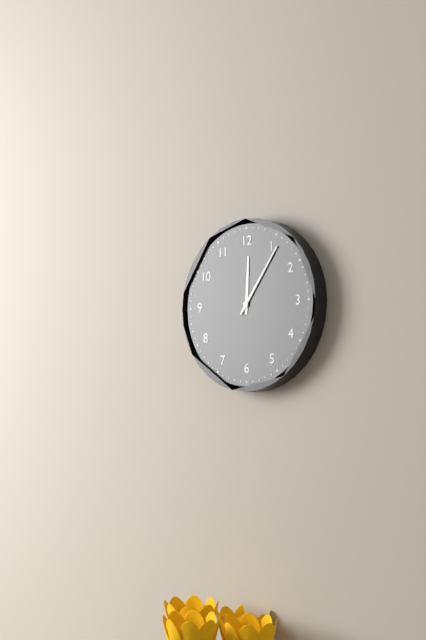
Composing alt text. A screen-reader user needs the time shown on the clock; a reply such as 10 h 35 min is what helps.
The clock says 12 h 06 min
